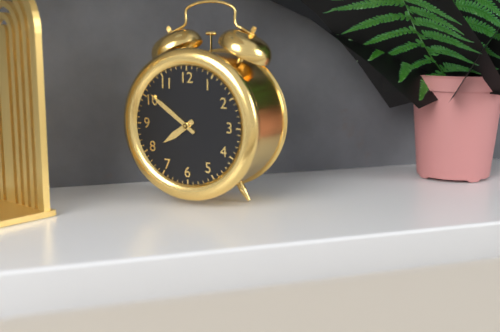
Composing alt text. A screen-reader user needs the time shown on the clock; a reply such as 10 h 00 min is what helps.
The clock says 7 h 51 min
